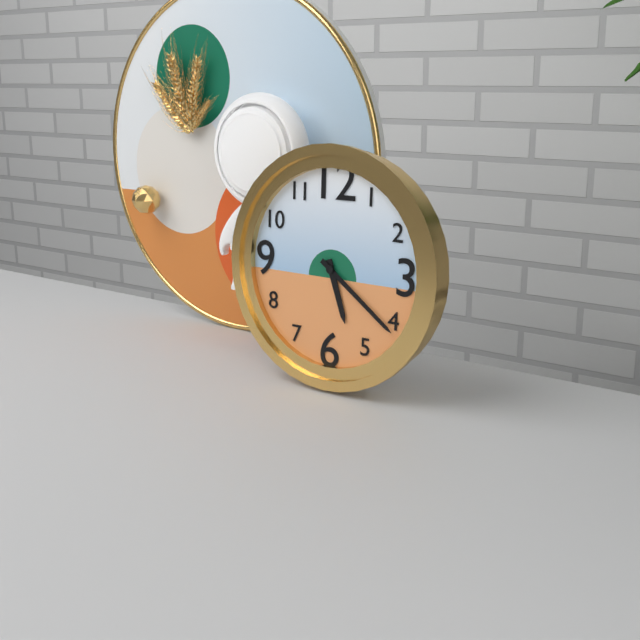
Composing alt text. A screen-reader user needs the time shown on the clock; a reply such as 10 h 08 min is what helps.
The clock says 5 h 21 min
